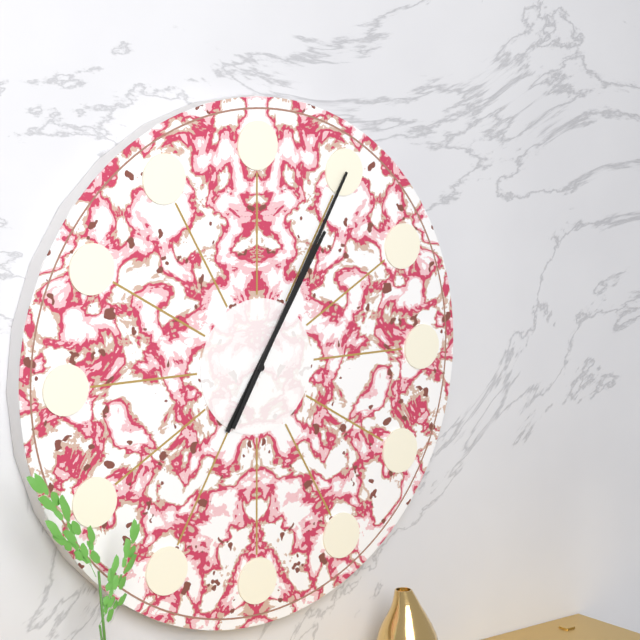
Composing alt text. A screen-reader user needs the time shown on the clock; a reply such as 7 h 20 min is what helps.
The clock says 1 h 05 min
